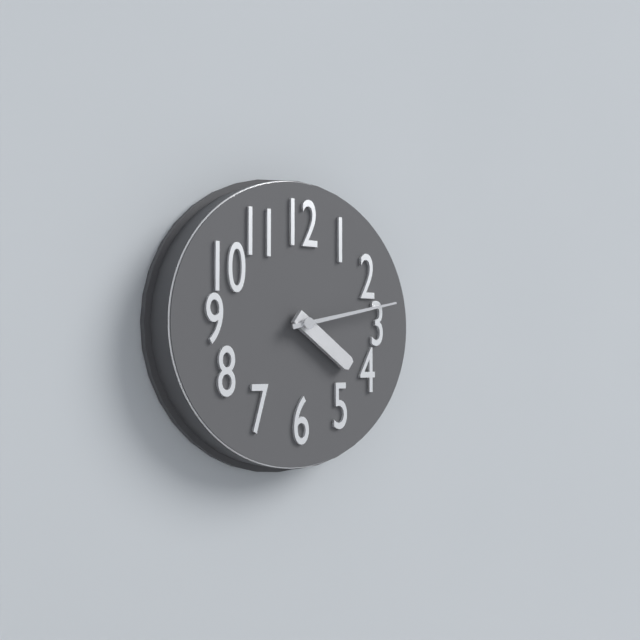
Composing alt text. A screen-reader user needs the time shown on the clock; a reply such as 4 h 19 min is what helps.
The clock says 4 h 13 min
